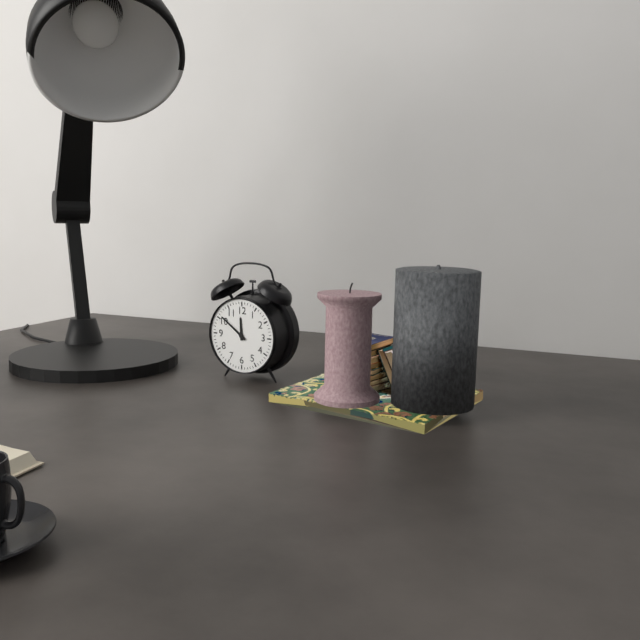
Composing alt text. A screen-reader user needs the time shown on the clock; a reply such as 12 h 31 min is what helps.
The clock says 11 h 51 min
